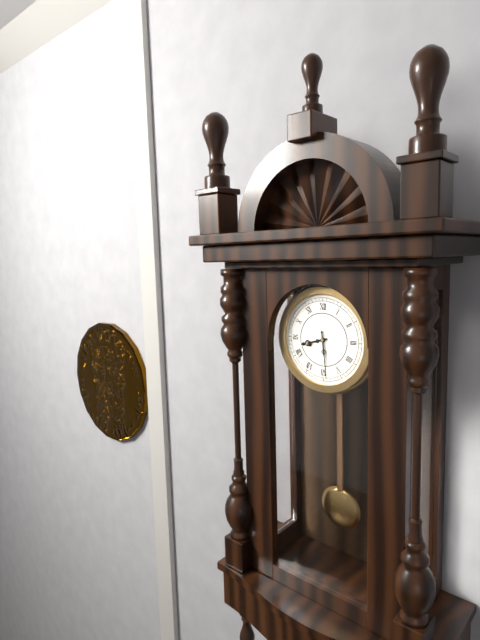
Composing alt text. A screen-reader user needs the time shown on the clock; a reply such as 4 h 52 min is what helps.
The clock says 8 h 29 min
